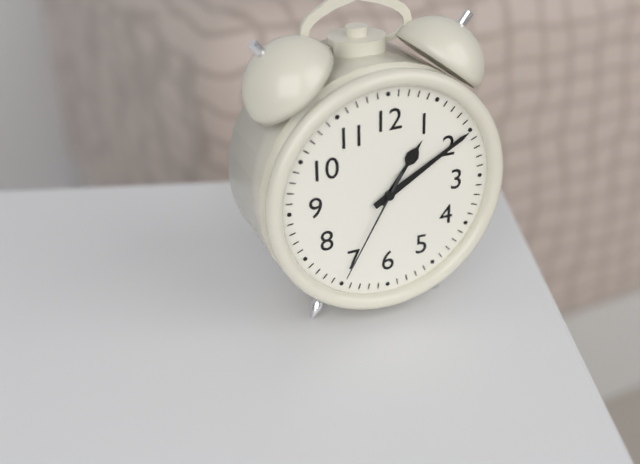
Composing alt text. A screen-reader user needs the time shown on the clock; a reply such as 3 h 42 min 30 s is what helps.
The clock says 1 h 10 min 35 s
